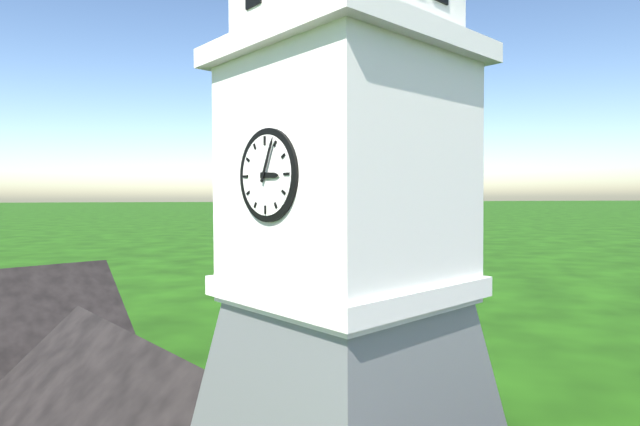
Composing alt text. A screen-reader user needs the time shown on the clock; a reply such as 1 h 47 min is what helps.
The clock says 3 h 04 min
